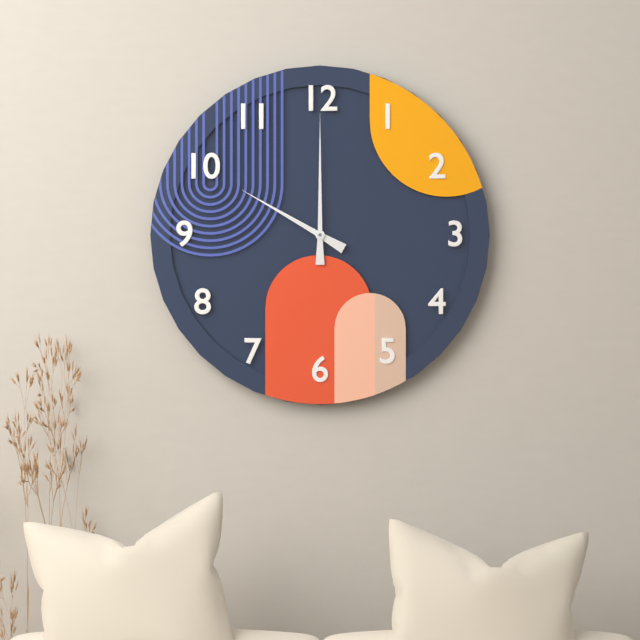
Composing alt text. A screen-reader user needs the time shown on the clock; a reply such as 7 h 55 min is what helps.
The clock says 10 h 00 min
